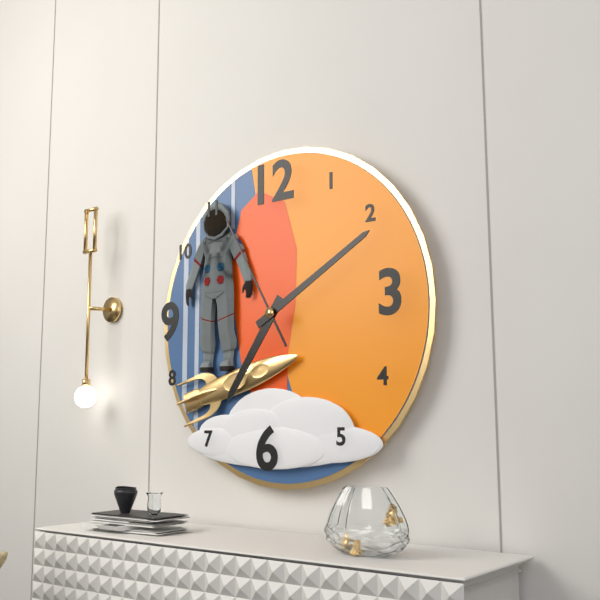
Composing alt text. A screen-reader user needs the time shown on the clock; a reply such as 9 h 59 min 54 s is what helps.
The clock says 7 h 10 min 55 s
